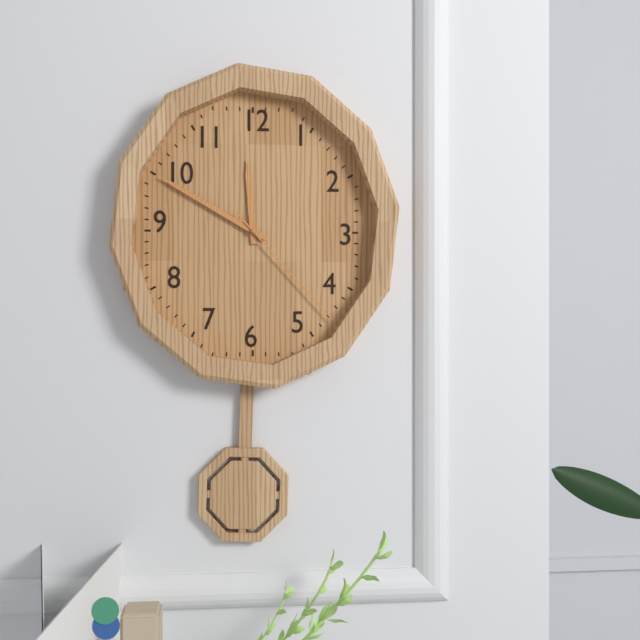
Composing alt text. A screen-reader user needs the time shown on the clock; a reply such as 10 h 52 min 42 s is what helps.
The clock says 11 h 50 min 23 s
